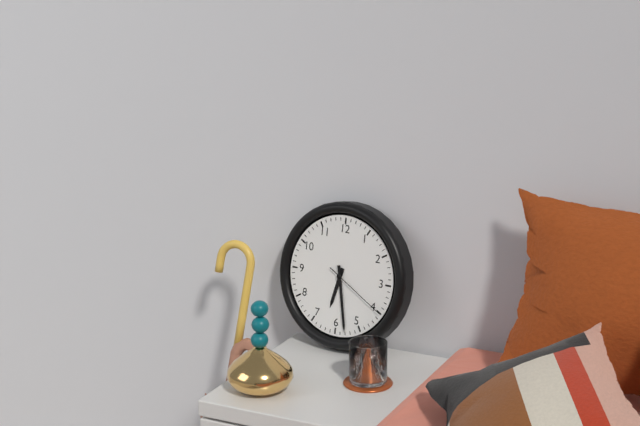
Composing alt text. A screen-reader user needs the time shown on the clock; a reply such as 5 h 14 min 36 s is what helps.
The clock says 6 h 28 min 20 s
